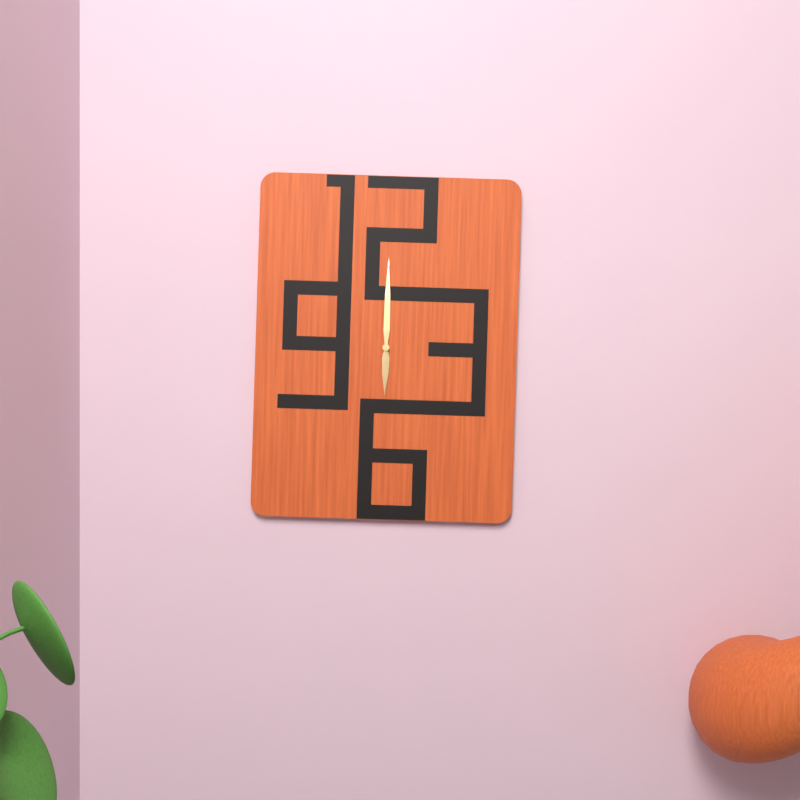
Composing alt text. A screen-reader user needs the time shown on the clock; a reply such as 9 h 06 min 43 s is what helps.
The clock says 6 h 00 min 00 s
